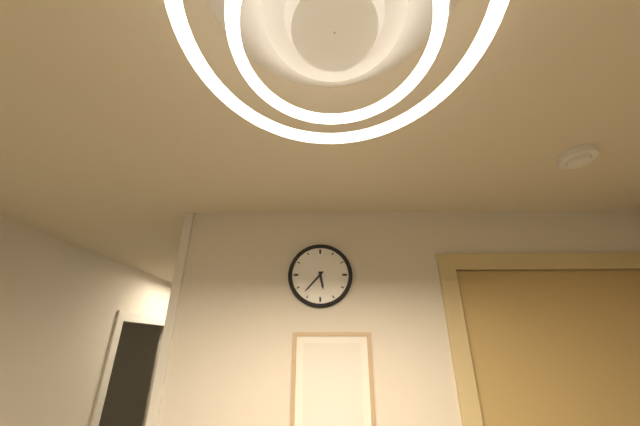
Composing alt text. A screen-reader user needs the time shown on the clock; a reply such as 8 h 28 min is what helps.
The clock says 5 h 37 min
